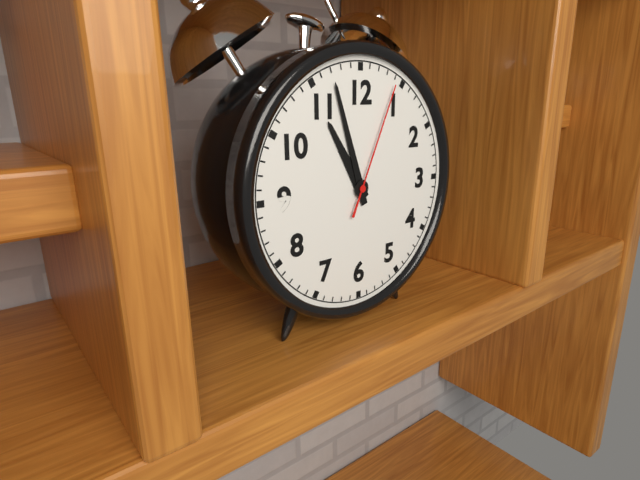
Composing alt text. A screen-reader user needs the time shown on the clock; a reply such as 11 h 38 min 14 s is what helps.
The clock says 10 h 57 min 04 s
